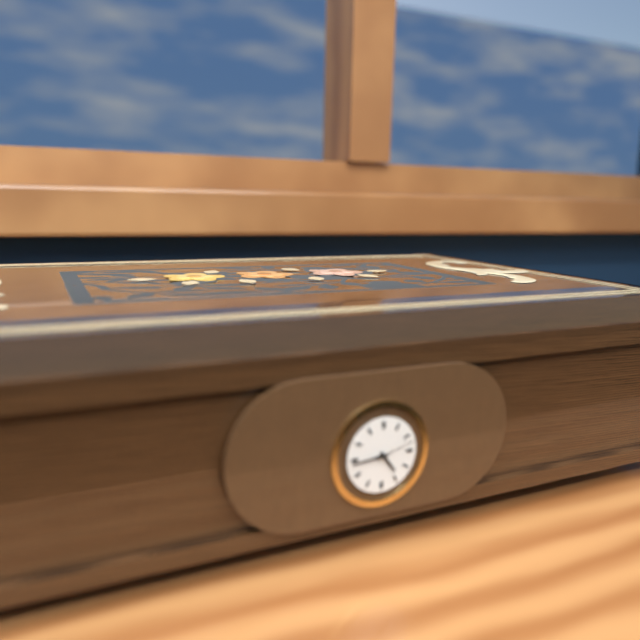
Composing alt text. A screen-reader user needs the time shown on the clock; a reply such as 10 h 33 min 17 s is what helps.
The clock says 4 h 44 min 12 s
